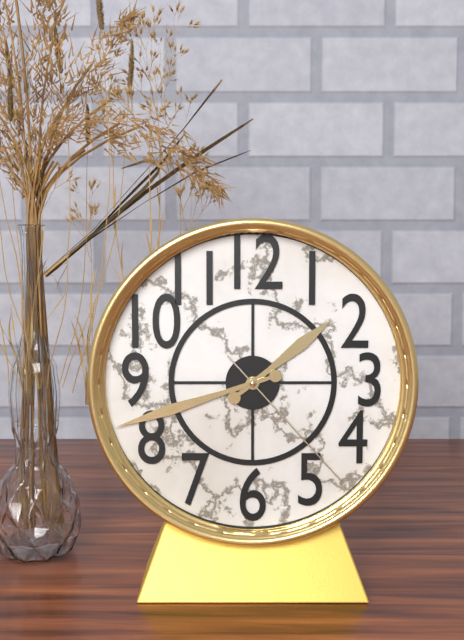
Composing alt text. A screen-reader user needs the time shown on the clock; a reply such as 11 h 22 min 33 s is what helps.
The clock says 1 h 42 min 23 s
